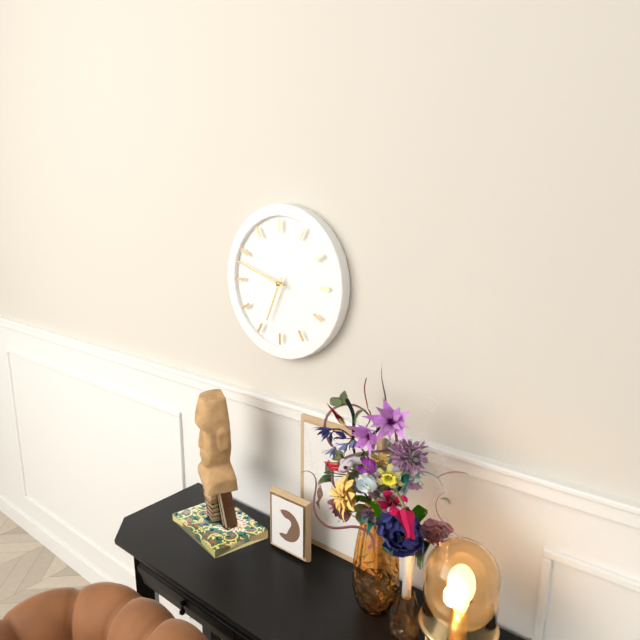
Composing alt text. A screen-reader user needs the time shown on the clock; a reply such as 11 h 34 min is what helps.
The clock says 6 h 48 min
